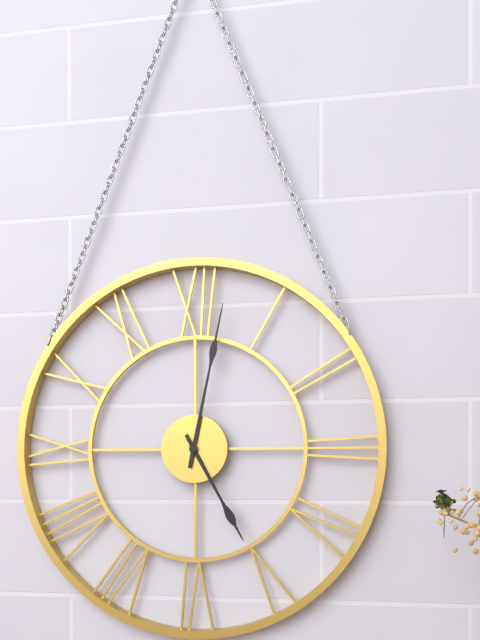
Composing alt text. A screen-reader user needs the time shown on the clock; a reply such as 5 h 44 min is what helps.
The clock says 5 h 02 min
